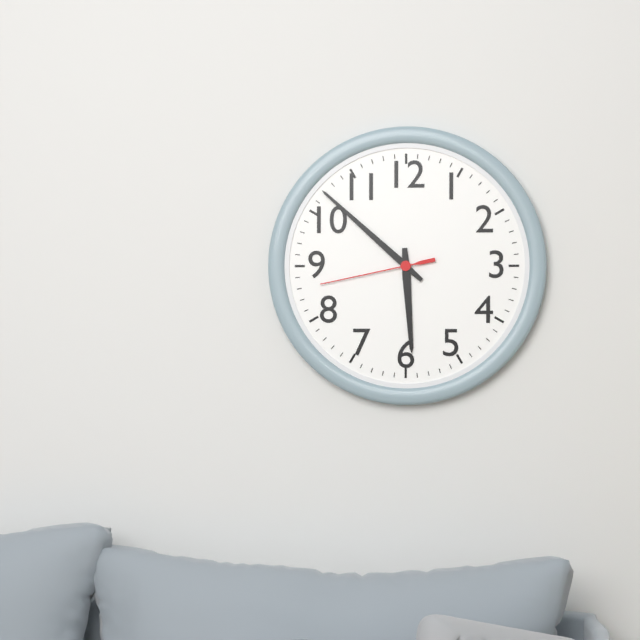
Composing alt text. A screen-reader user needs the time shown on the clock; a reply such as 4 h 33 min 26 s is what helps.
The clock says 5 h 52 min 43 s
